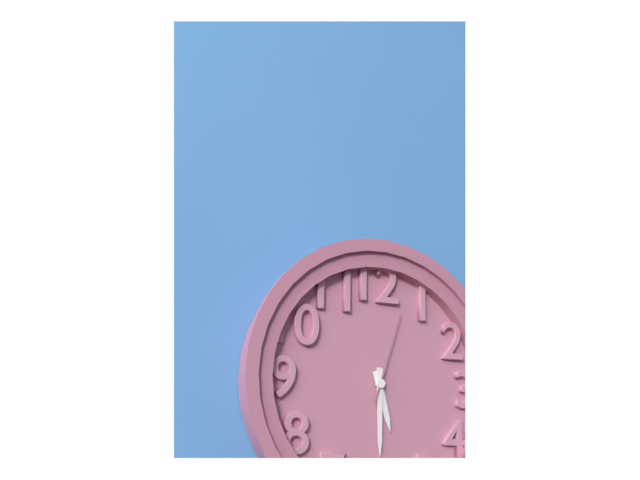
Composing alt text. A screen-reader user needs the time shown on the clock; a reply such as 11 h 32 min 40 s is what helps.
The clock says 5 h 30 min 03 s
